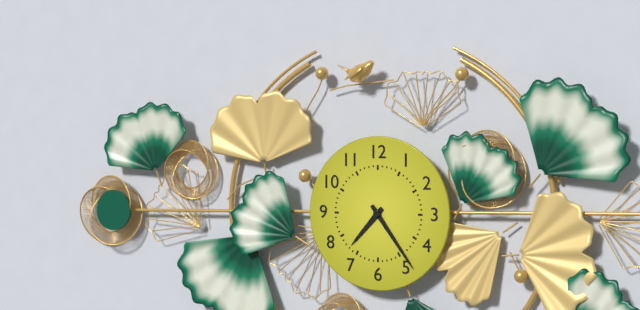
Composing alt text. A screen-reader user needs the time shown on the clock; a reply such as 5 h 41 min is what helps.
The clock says 7 h 24 min
